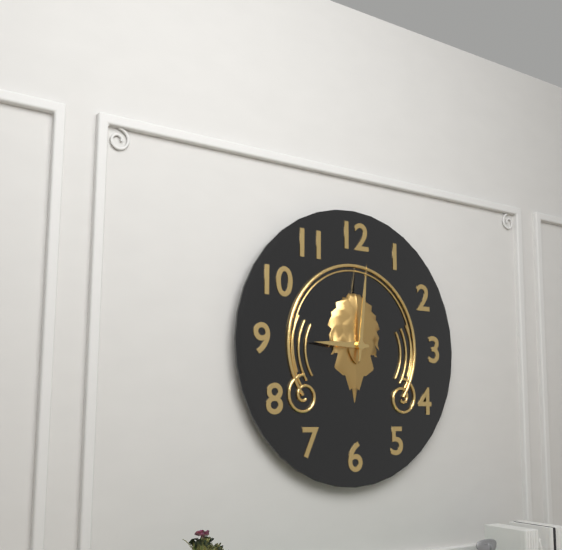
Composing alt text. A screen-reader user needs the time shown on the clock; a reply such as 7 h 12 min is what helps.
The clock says 9 h 01 min
